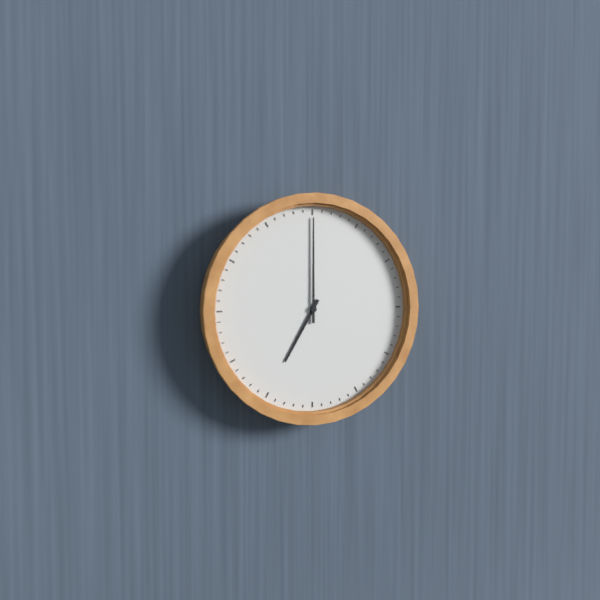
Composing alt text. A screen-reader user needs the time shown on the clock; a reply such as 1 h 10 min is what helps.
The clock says 7 h 00 min
